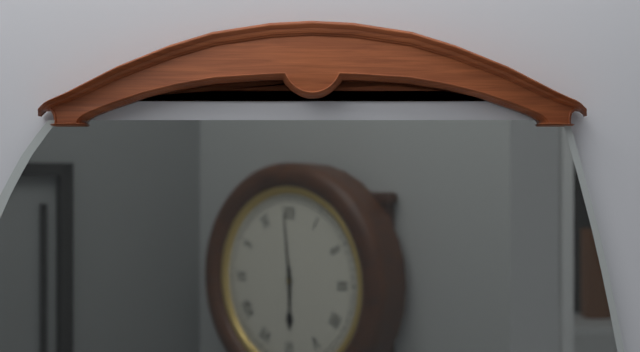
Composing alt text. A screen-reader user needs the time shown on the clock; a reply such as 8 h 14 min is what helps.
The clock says 5 h 59 min
